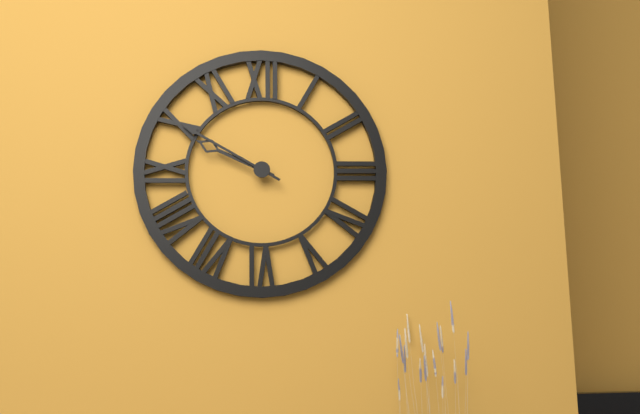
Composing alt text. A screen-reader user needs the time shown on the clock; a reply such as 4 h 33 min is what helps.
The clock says 9 h 50 min
